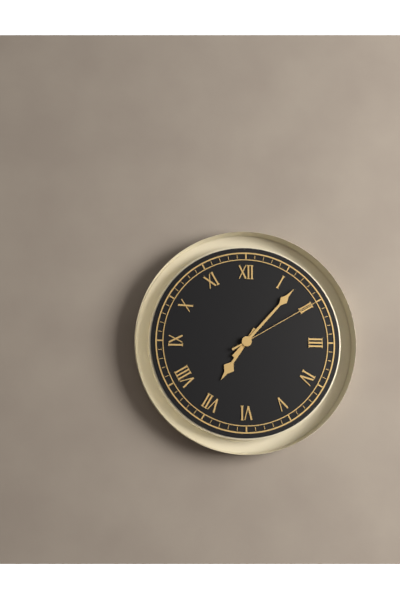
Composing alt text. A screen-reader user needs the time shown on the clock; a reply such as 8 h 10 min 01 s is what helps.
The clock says 7 h 07 min 10 s
